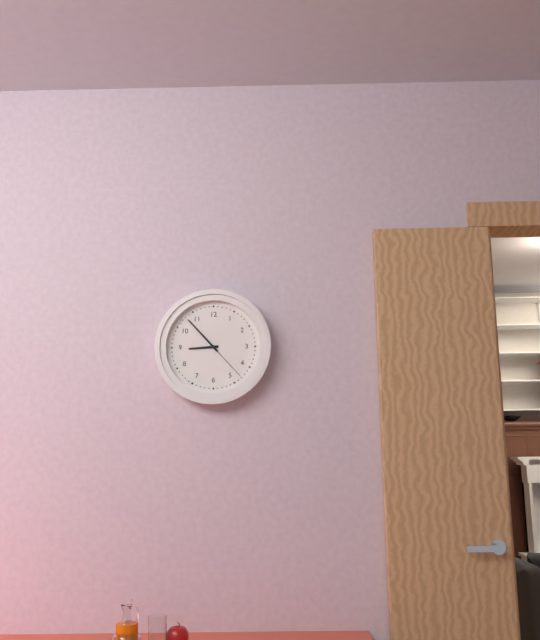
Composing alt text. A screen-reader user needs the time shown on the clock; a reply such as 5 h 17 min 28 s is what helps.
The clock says 8 h 53 min 23 s
